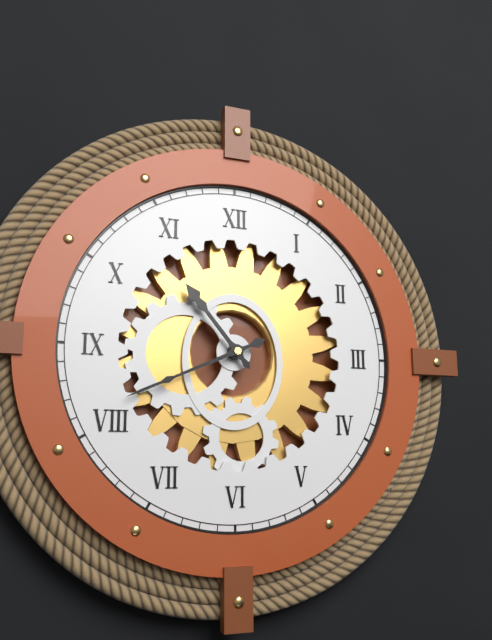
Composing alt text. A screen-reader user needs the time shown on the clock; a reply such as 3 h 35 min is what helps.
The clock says 10 h 41 min
